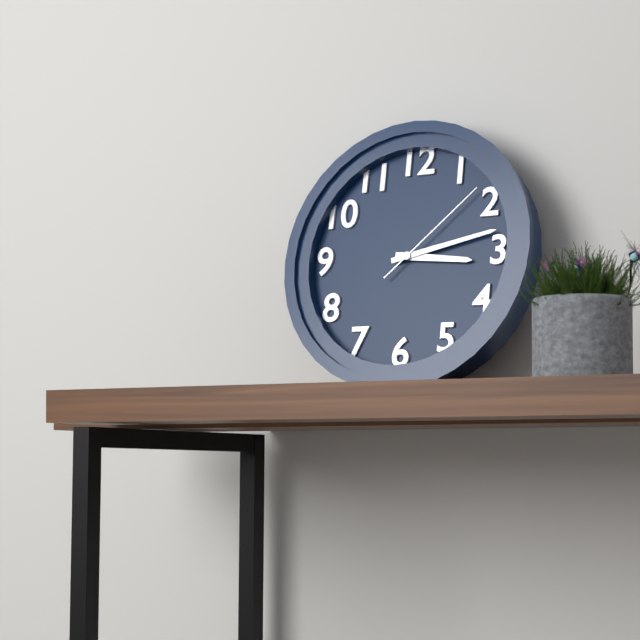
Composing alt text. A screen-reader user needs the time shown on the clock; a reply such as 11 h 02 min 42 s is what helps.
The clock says 3 h 13 min 08 s
